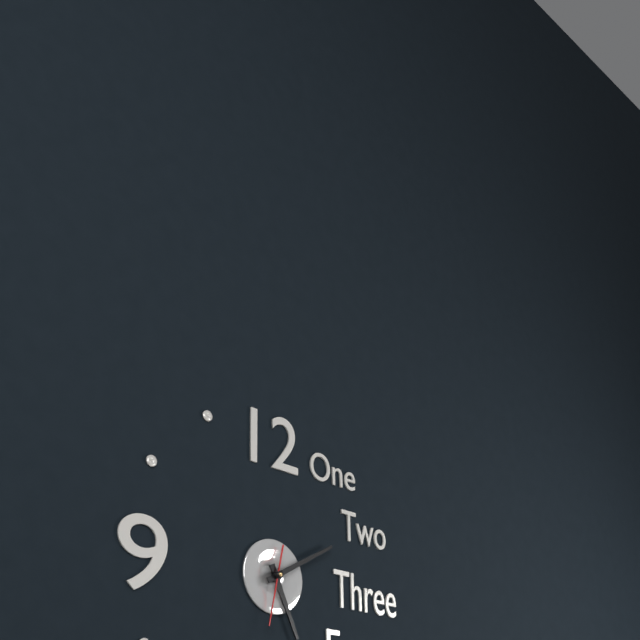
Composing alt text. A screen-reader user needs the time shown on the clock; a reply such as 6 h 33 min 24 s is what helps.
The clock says 5 h 10 min 32 s
